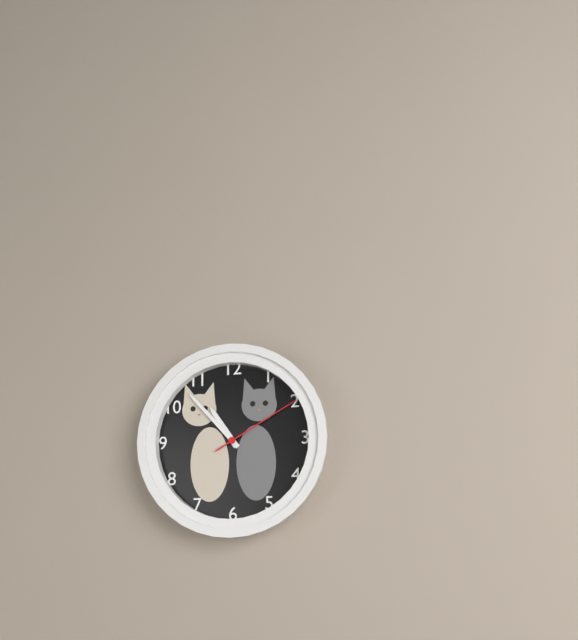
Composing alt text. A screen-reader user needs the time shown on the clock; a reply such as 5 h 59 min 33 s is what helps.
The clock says 10 h 53 min 10 s
